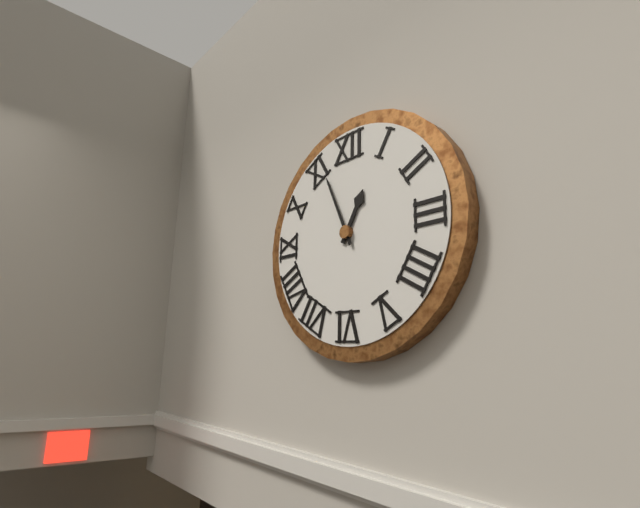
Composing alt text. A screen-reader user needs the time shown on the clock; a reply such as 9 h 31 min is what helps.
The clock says 12 h 56 min
